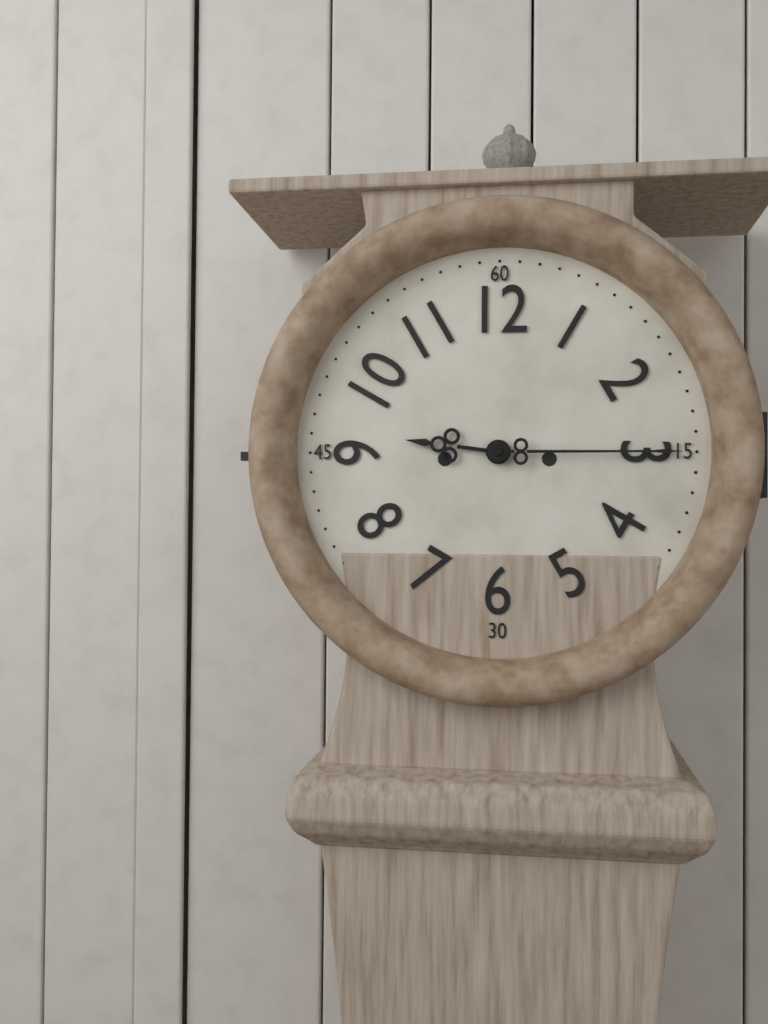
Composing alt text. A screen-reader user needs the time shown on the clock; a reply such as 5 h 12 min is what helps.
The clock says 9 h 15 min
